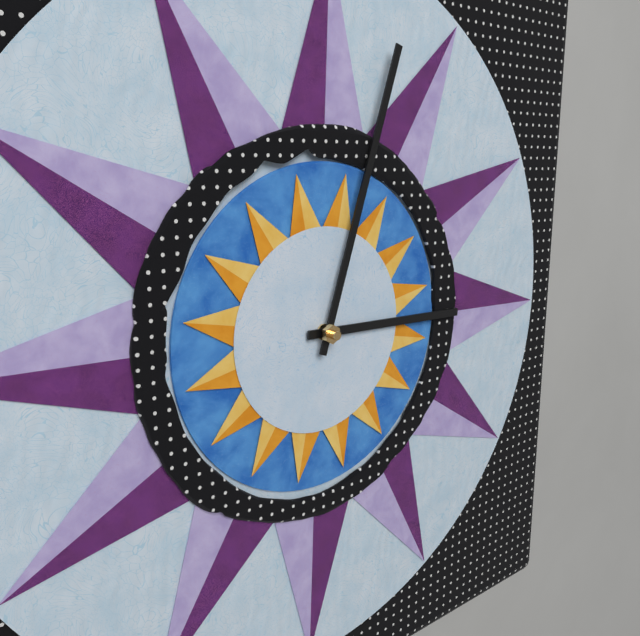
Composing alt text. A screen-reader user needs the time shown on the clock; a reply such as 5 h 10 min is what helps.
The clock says 3 h 03 min
